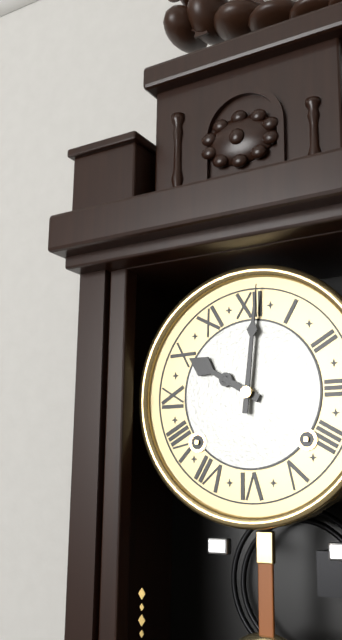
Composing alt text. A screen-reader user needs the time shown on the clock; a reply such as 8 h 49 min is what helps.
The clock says 10 h 01 min
